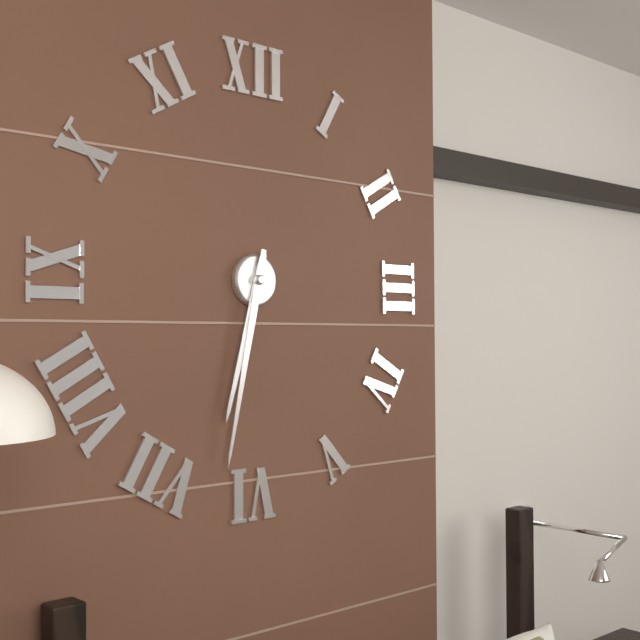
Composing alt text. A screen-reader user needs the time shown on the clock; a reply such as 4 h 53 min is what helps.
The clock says 6 h 32 min
